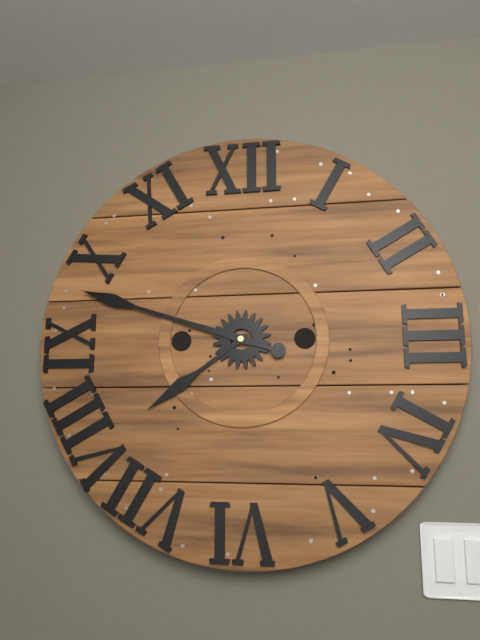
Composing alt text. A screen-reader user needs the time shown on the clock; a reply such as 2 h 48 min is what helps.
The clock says 7 h 48 min
